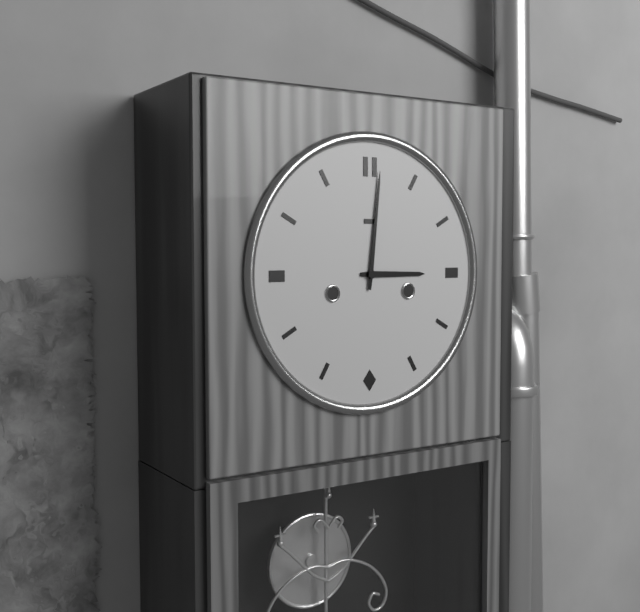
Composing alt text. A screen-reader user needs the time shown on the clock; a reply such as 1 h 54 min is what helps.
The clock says 3 h 01 min
